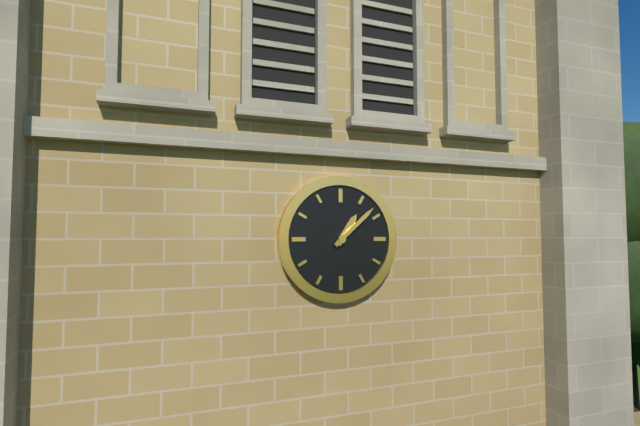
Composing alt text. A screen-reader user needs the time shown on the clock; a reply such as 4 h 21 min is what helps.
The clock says 1 h 08 min
